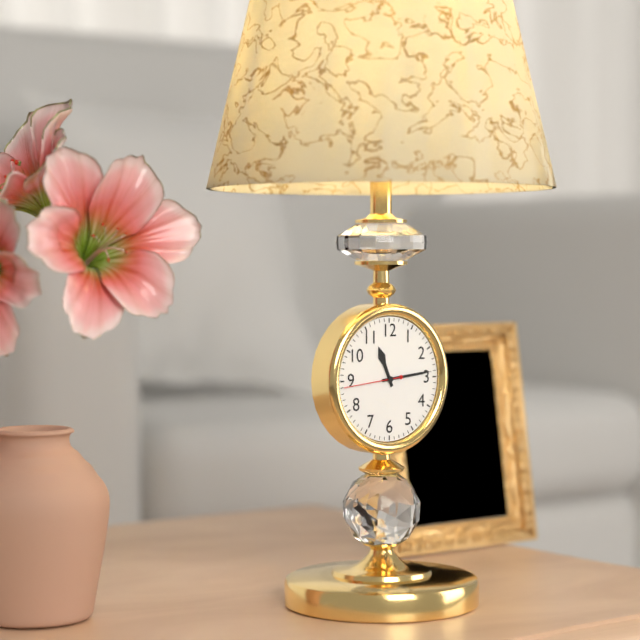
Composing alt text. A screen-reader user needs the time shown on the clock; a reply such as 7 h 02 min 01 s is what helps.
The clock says 11 h 14 min 44 s
